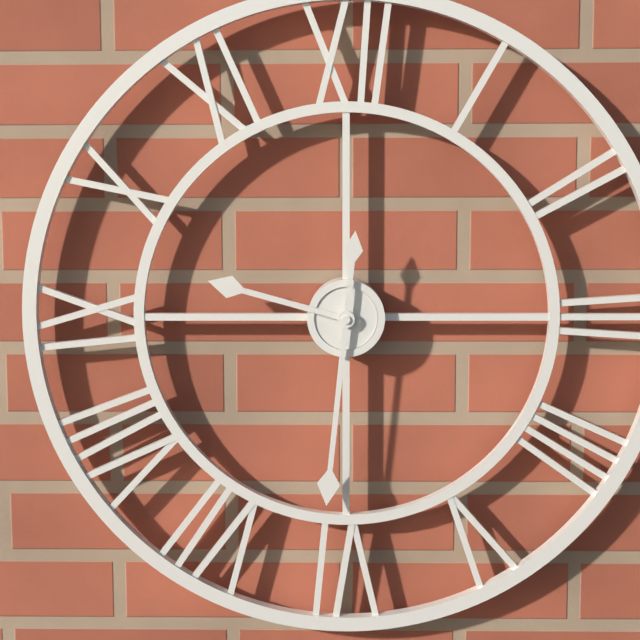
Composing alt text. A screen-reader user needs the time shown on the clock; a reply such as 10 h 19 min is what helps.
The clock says 9 h 31 min
